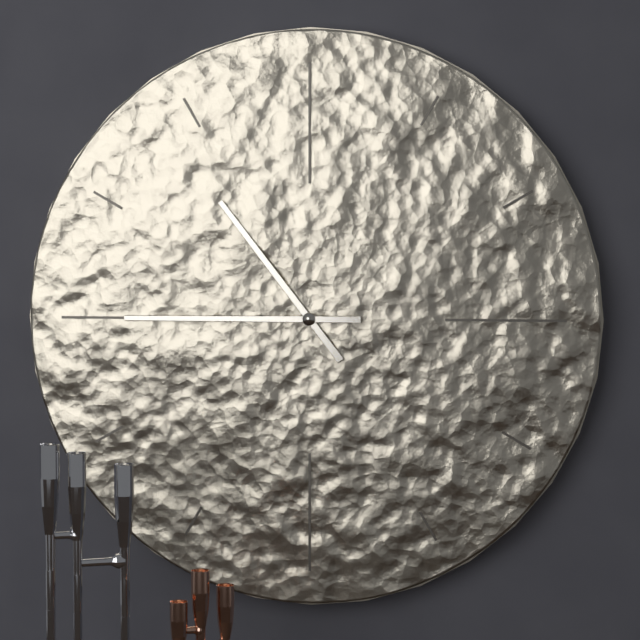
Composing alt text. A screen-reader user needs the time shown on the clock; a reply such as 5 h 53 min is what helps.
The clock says 10 h 45 min
